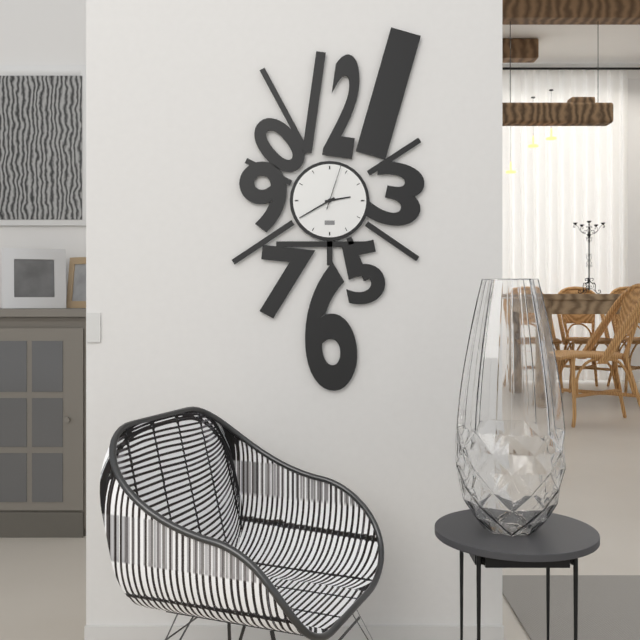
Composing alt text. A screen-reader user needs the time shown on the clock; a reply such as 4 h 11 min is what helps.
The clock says 2 h 40 min
